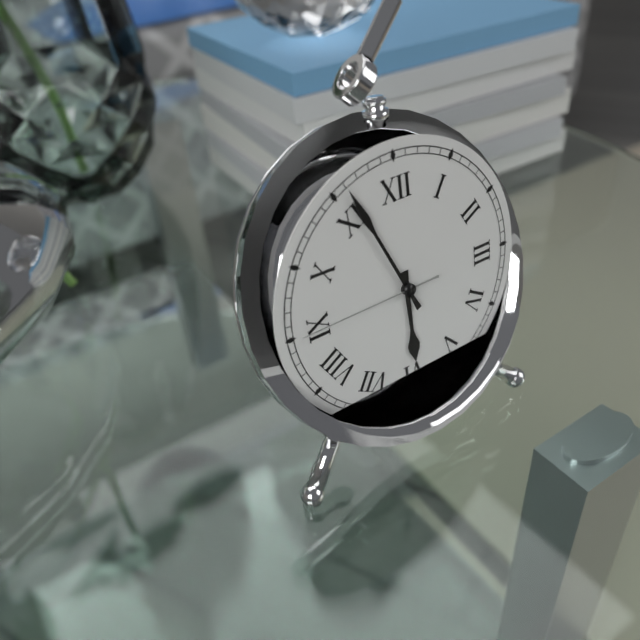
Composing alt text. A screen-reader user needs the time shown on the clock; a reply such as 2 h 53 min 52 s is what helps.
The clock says 5 h 56 min 45 s
